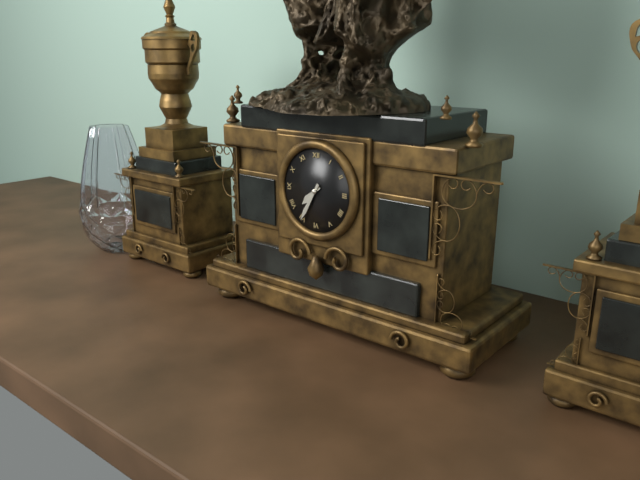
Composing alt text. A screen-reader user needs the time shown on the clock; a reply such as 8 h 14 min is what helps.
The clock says 7 h 35 min
